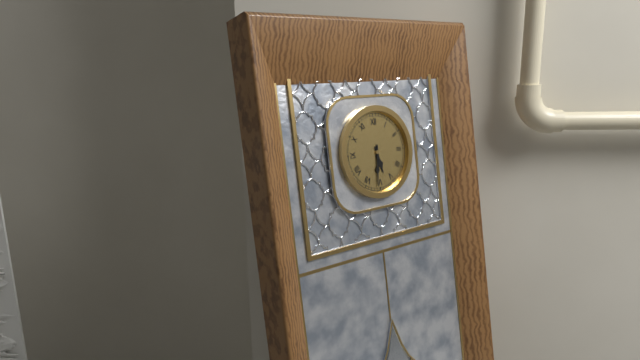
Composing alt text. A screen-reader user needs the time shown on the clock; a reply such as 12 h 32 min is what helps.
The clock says 5 h 31 min
